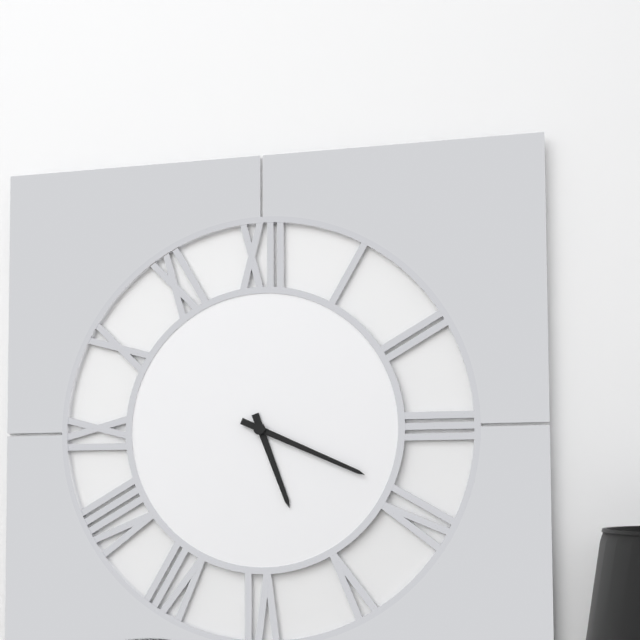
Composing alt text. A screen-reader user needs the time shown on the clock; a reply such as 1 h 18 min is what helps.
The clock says 5 h 19 min
